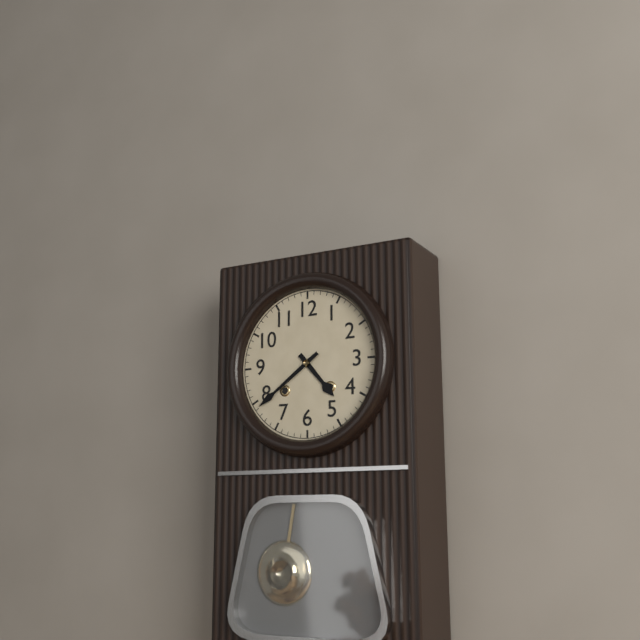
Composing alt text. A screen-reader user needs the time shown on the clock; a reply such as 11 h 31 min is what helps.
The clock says 4 h 39 min
